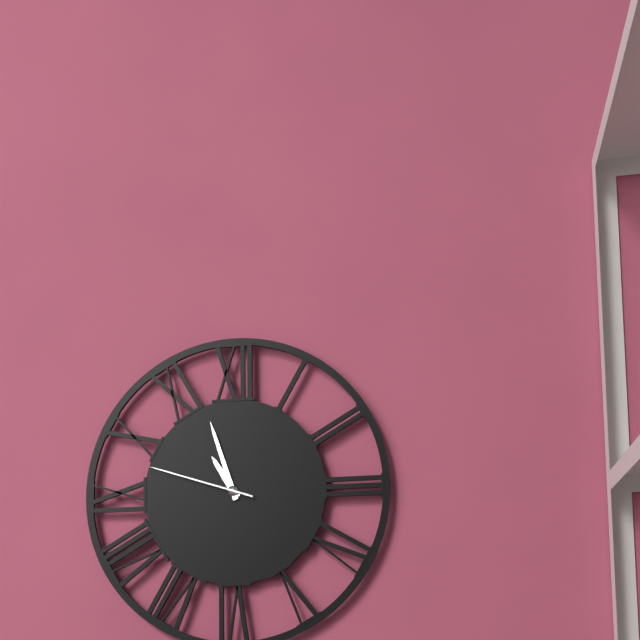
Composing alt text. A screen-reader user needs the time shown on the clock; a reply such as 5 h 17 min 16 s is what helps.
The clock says 10 h 57 min 48 s
